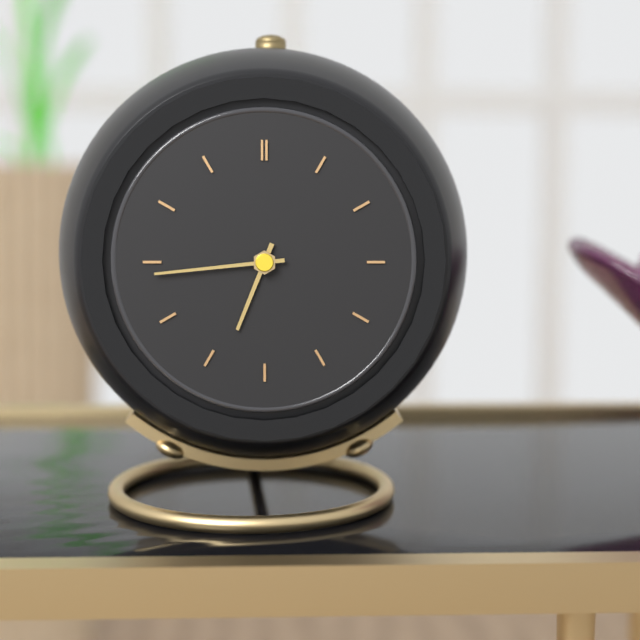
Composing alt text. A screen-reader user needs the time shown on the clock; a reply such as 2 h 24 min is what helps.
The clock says 6 h 44 min
